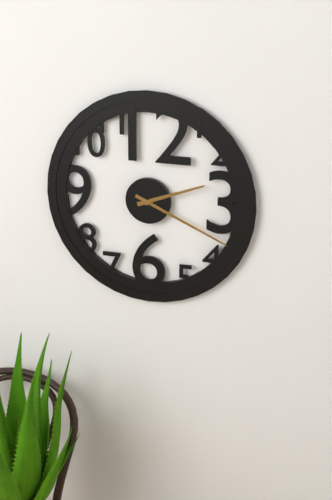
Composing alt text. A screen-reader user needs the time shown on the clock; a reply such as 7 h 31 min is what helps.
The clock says 2 h 19 min
